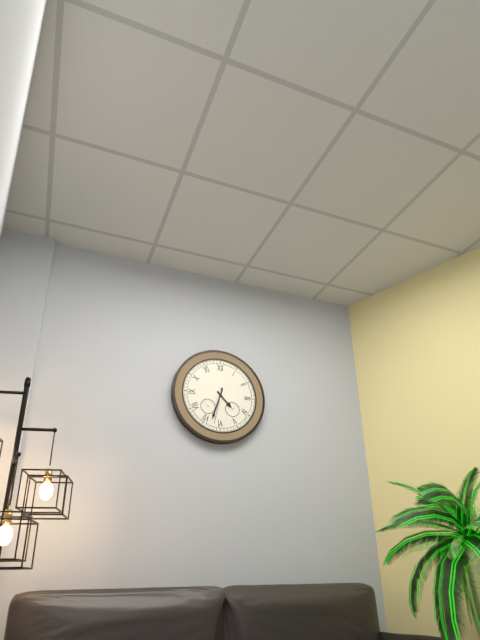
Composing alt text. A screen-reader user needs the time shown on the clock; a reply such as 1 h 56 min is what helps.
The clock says 4 h 33 min
